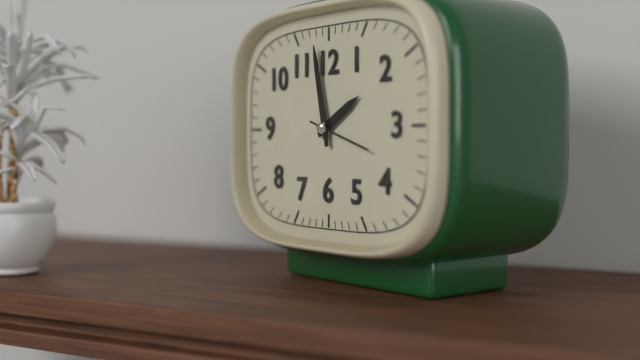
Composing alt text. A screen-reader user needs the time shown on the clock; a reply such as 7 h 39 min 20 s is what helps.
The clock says 1 h 58 min 18 s
